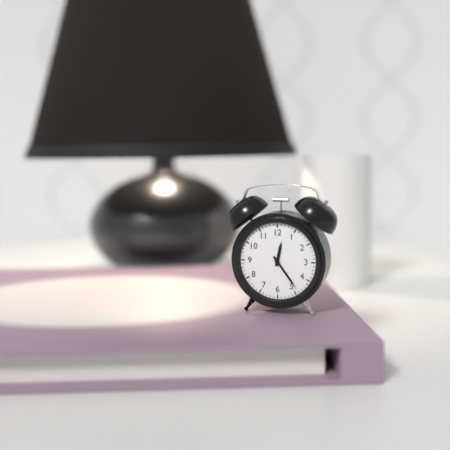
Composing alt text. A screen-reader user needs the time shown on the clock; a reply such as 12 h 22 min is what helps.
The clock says 12 h 24 min
